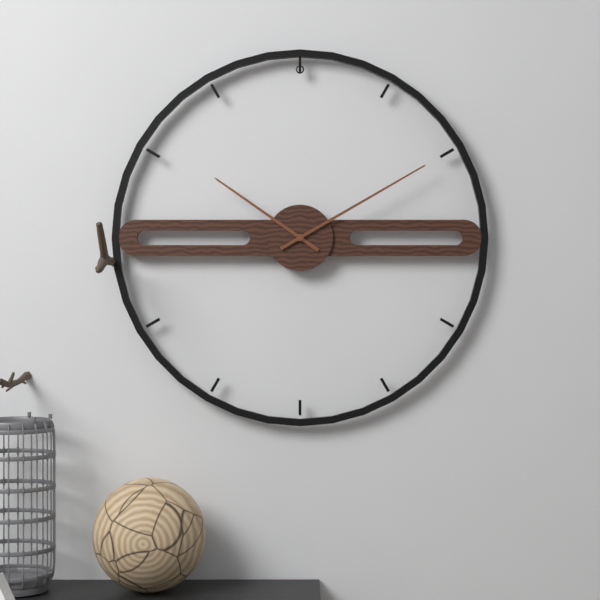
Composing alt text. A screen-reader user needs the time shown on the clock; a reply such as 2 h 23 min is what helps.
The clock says 10 h 10 min
